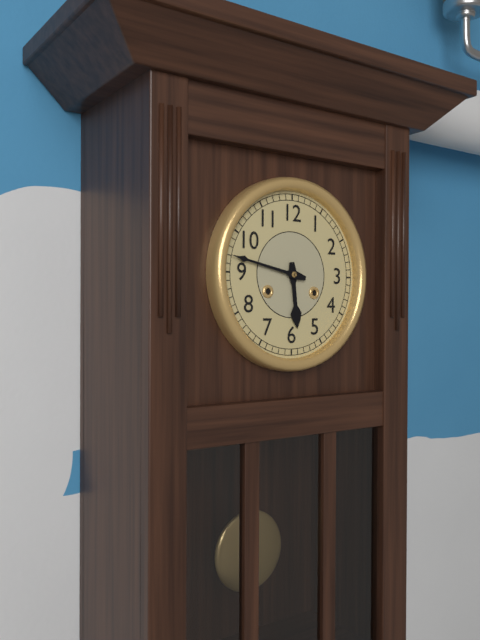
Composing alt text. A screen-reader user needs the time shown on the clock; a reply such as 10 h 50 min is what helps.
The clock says 5 h 47 min
